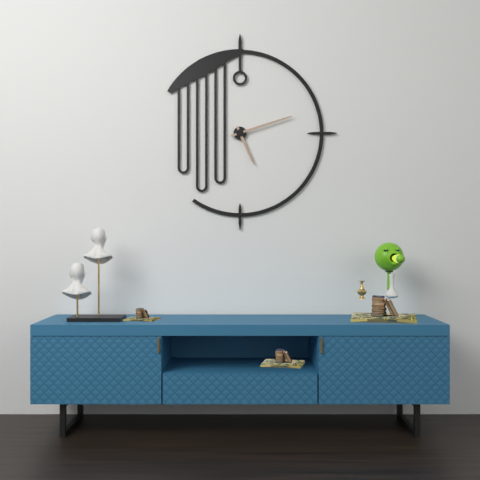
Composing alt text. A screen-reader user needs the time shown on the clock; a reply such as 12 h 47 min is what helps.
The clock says 5 h 12 min
